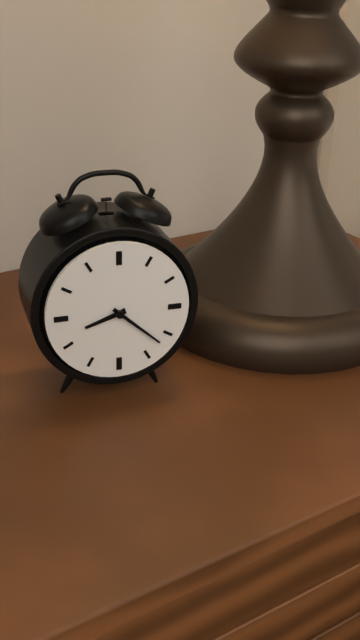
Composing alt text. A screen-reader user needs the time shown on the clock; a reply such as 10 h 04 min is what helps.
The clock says 8 h 22 min
